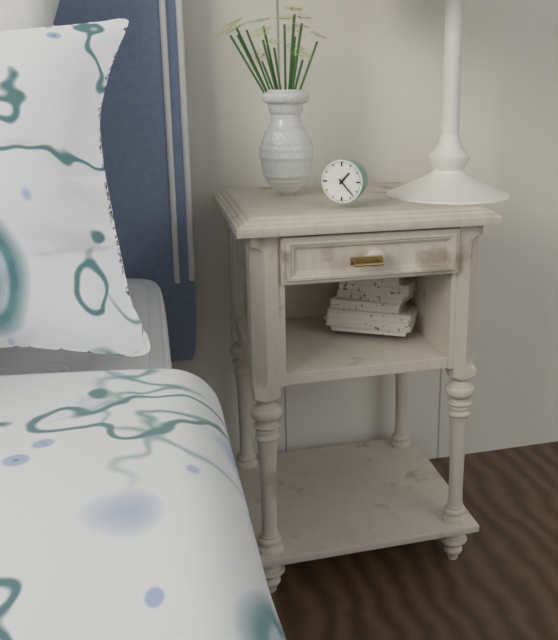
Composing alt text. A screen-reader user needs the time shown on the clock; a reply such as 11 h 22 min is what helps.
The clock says 1 h 23 min
